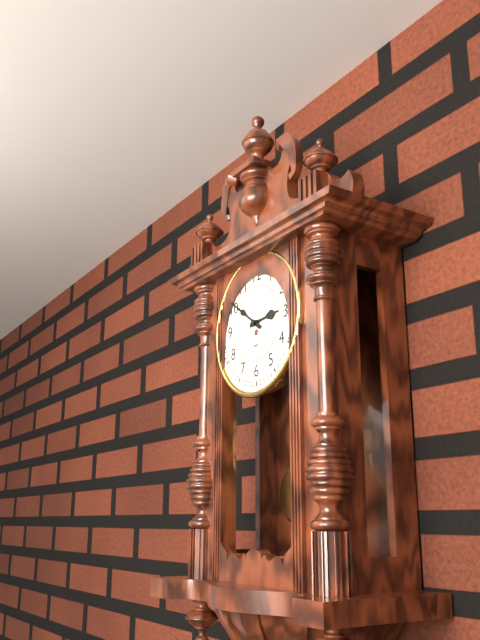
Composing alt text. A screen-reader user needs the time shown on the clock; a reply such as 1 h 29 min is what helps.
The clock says 2 h 51 min
